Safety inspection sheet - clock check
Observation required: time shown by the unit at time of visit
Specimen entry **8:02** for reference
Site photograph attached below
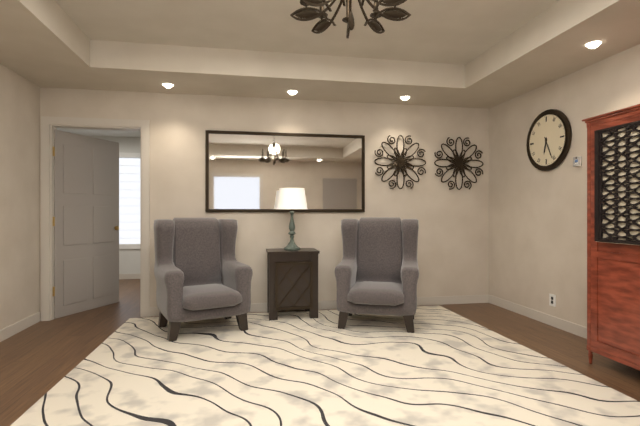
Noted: **6:26**
